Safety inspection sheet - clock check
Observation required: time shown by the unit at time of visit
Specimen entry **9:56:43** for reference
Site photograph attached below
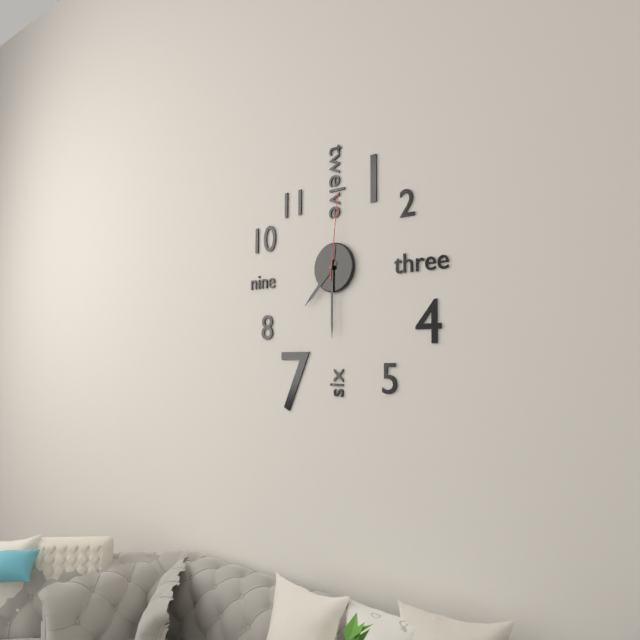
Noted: **7:30:01**
